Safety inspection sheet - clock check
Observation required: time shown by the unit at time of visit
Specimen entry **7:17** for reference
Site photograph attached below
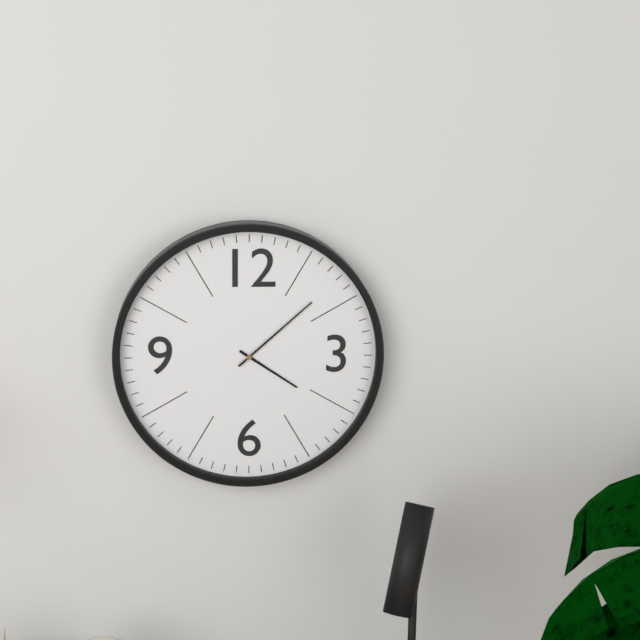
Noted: **4:08**
